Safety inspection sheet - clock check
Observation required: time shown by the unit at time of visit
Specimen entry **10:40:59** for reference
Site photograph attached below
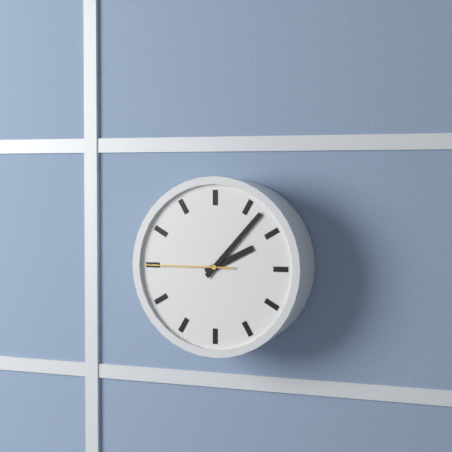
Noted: **2:07:45**
